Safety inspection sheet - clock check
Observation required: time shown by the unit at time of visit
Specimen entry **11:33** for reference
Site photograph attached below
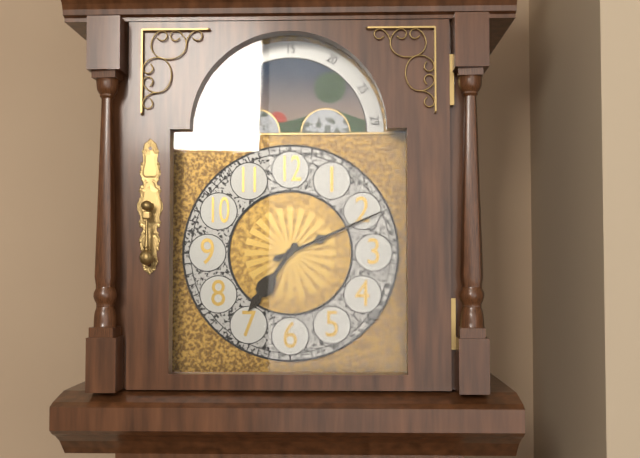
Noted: **7:11**
